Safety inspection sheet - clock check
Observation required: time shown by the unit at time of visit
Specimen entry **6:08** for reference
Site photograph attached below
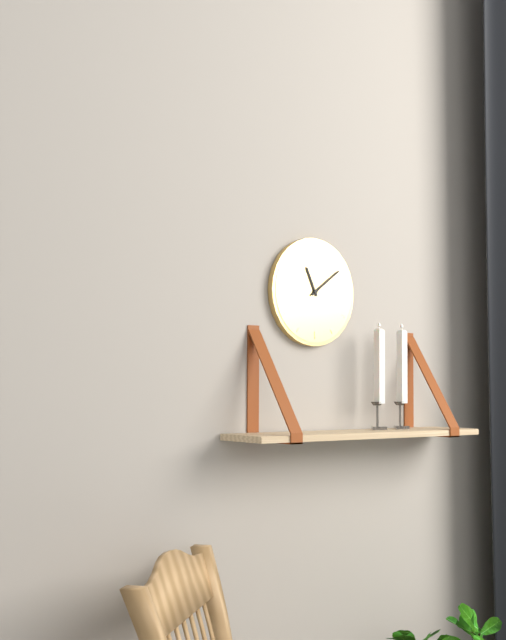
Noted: **11:09**
